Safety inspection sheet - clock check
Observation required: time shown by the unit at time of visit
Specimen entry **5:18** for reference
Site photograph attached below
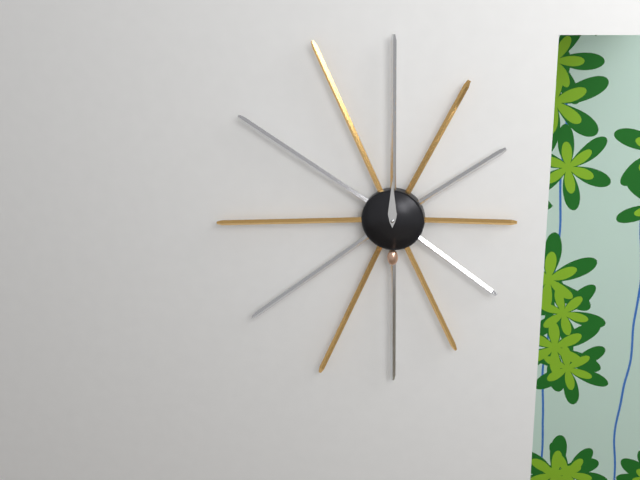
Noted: **12:00**
